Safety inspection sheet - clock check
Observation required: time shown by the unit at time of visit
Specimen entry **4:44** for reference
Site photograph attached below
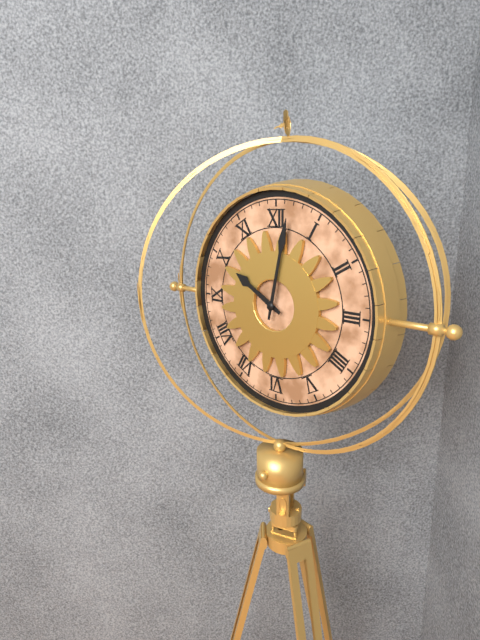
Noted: **10:02**
